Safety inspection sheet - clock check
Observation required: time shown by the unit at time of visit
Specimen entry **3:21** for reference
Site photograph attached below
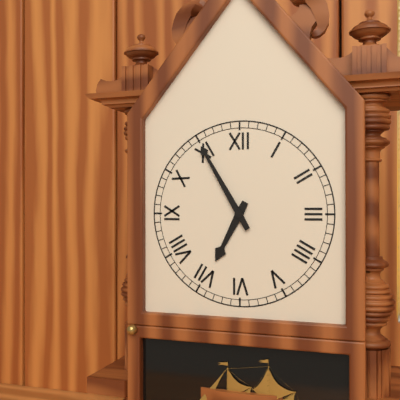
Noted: **6:55**
